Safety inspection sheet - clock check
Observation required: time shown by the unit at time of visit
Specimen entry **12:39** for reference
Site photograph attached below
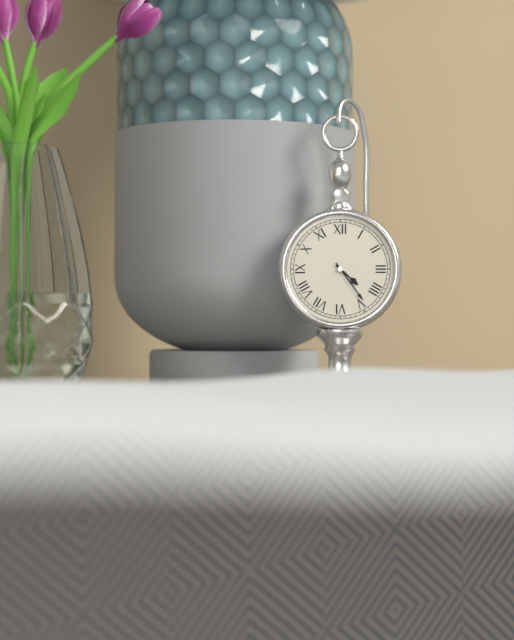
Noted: **4:24**
